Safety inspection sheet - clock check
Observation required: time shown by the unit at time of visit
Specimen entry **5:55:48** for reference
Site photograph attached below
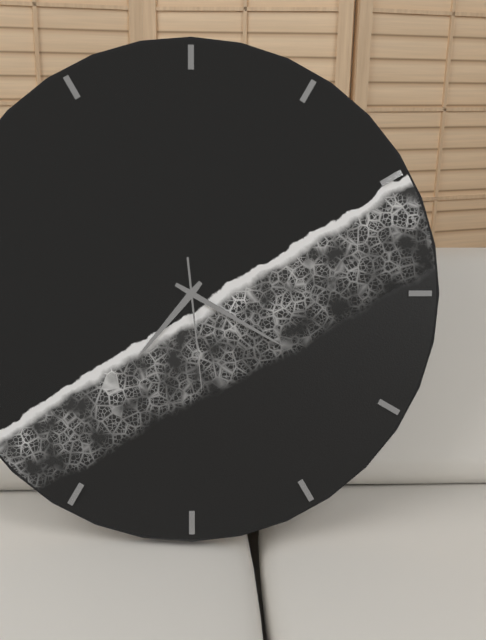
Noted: **7:20:29**
